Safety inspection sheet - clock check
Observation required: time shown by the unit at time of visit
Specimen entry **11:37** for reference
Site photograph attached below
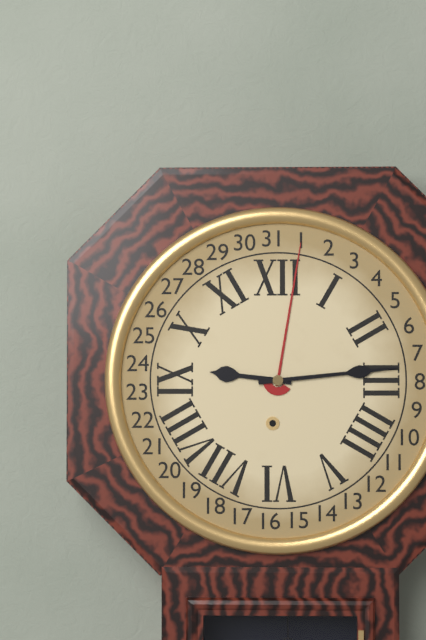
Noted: **9:14**
